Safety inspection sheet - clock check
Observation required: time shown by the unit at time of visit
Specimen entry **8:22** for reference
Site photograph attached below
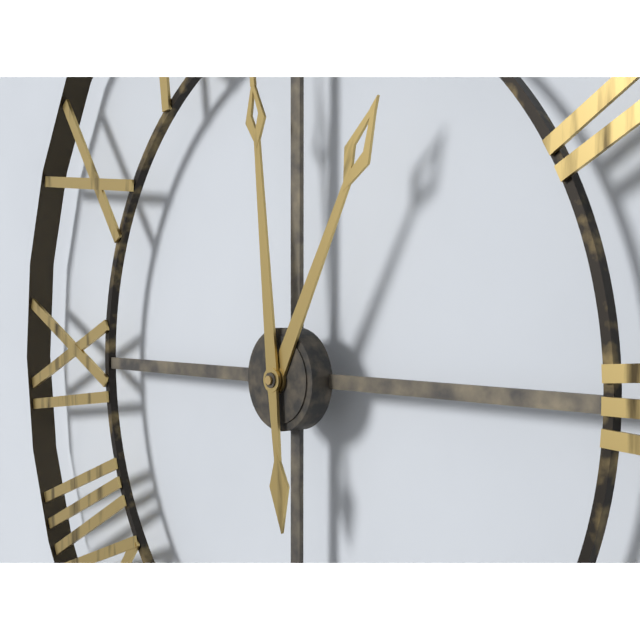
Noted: **12:59**
